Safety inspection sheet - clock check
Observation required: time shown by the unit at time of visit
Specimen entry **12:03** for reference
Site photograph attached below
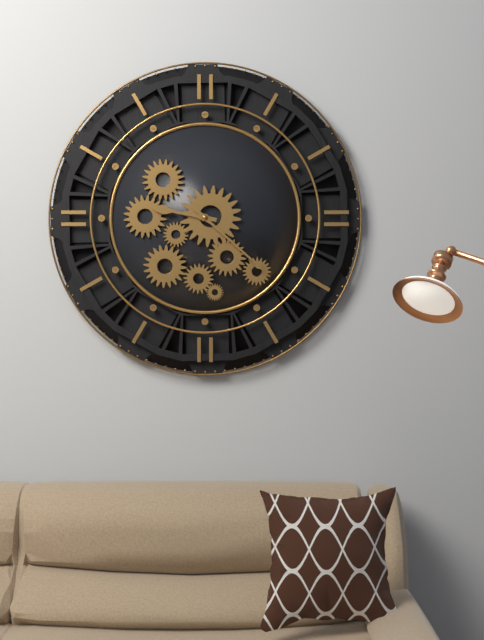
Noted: **9:22**
